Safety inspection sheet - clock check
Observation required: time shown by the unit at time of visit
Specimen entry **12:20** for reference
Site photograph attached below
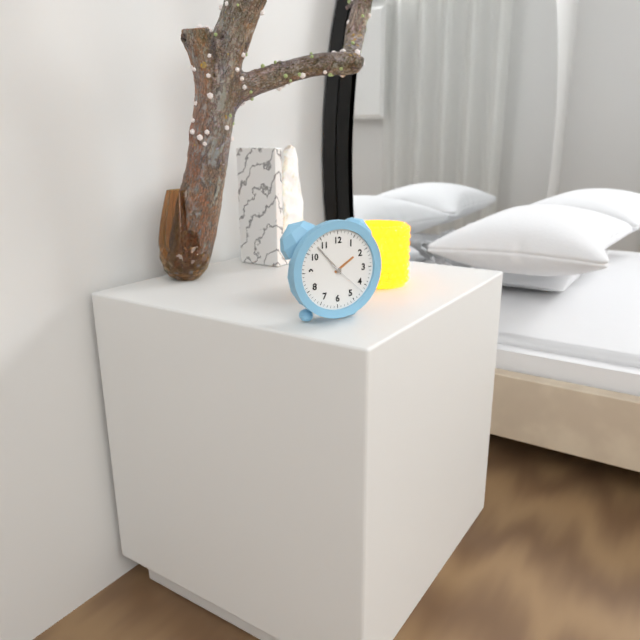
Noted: **1:53**
